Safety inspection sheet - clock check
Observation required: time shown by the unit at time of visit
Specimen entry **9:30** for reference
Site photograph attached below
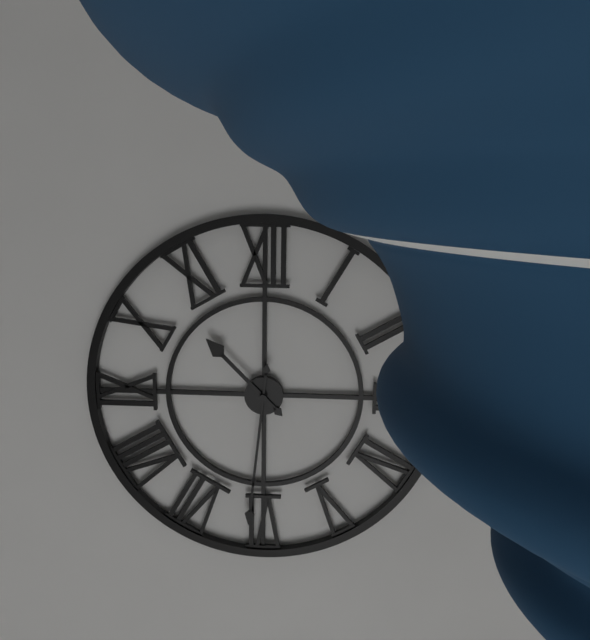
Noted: **10:31**
